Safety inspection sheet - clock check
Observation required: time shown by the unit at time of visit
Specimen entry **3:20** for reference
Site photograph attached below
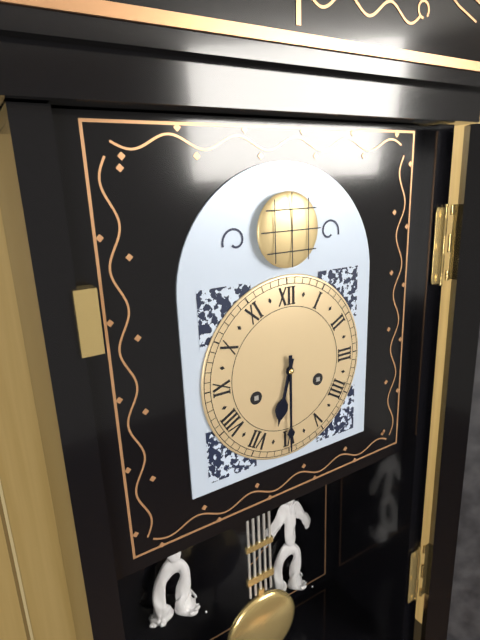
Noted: **6:30**
